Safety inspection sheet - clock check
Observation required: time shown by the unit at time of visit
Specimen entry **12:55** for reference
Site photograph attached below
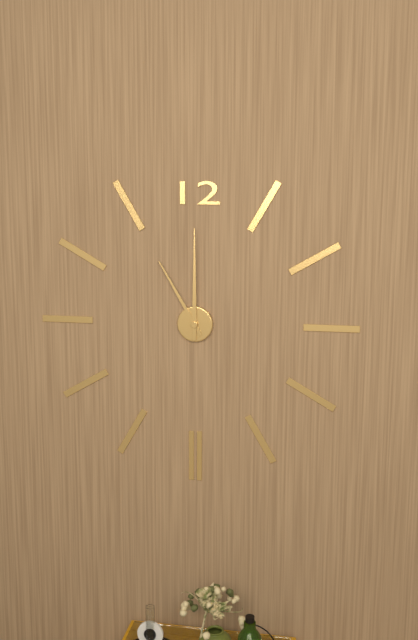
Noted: **11:00**
